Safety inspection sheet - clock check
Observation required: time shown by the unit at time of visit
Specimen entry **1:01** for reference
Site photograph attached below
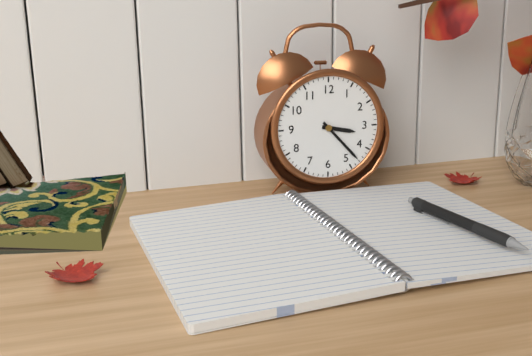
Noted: **3:23**
